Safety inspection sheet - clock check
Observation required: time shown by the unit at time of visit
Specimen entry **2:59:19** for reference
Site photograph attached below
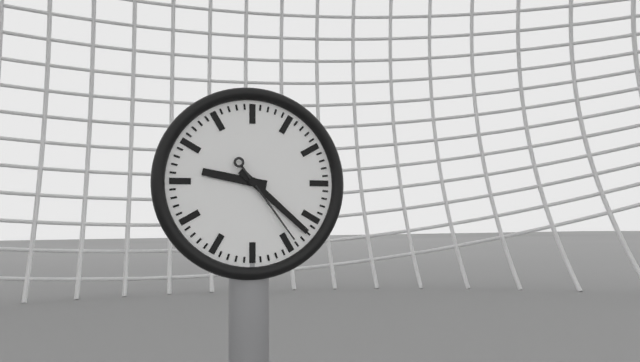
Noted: **9:22:24**
